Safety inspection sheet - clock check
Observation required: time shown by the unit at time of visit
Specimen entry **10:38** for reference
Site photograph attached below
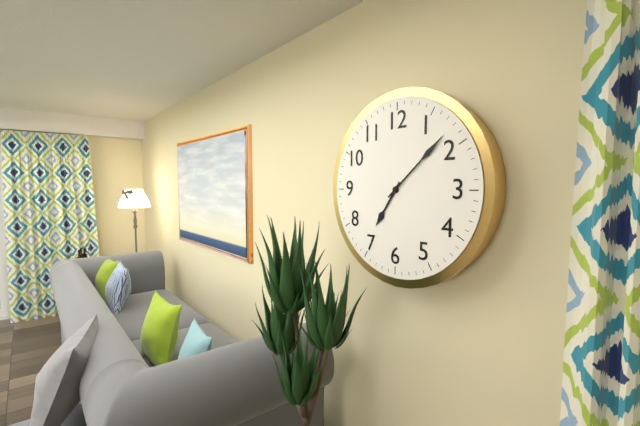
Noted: **7:08**
